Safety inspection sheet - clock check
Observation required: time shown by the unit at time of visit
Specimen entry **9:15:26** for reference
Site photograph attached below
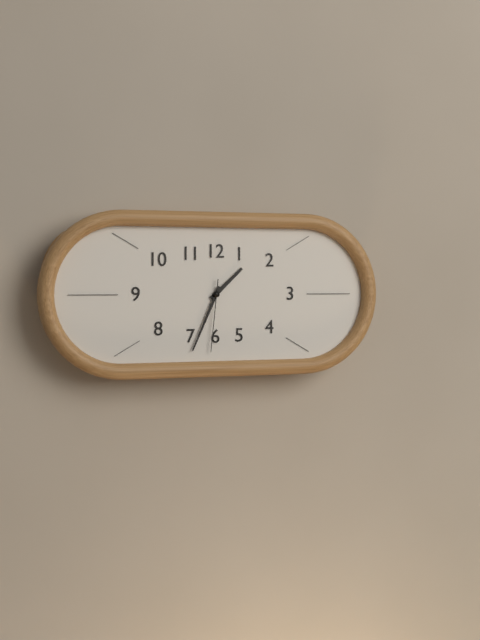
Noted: **1:34:31**
